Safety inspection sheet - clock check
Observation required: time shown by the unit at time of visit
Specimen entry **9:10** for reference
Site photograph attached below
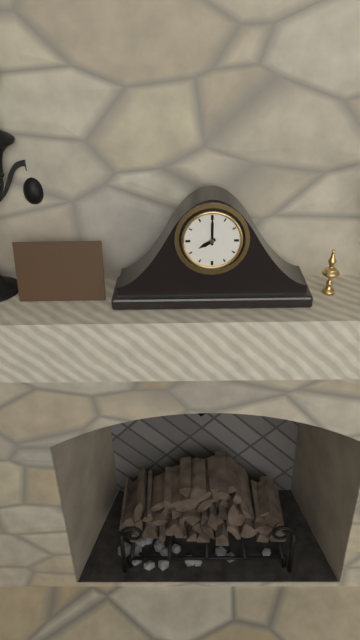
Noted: **8:00**
